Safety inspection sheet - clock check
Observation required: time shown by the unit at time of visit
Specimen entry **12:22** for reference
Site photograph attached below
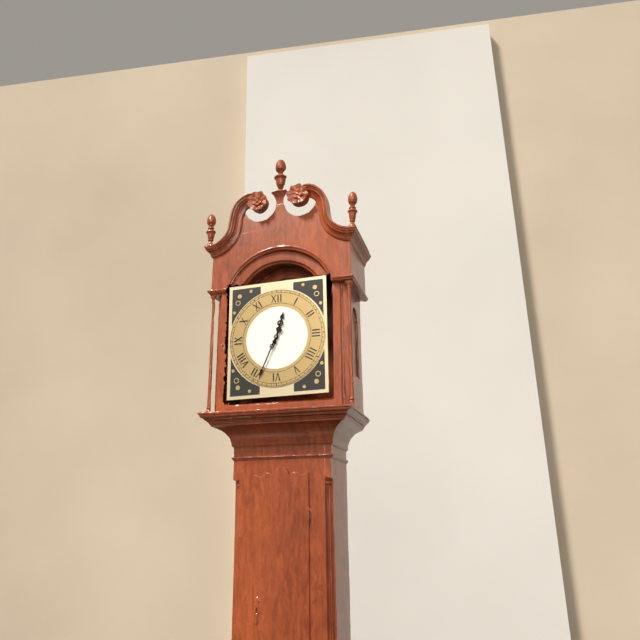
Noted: **12:34**
